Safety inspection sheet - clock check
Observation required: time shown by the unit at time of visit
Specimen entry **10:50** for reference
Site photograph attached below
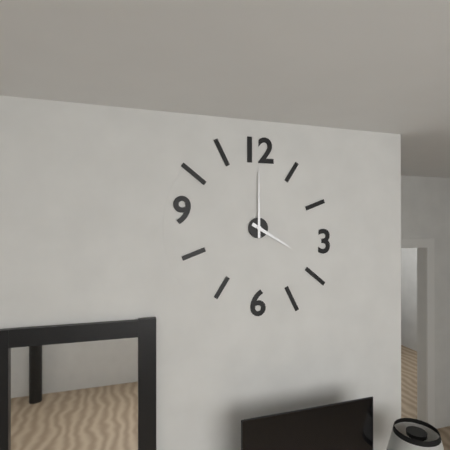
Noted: **4:00**
